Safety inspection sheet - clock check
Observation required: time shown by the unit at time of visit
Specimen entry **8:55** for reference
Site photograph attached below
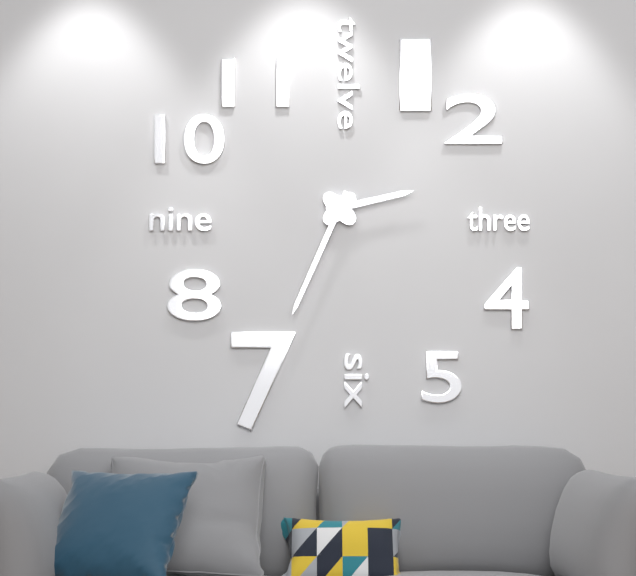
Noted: **2:34**
